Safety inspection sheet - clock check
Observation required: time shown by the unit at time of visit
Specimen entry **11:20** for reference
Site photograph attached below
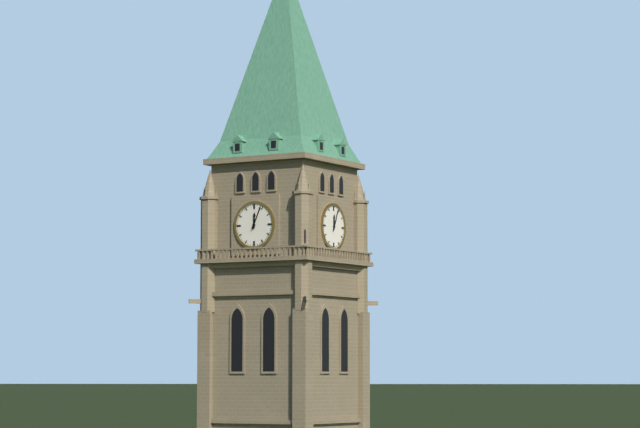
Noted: **12:04**
